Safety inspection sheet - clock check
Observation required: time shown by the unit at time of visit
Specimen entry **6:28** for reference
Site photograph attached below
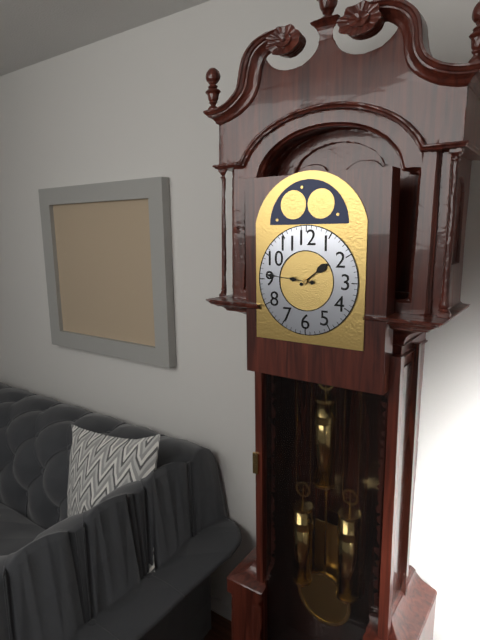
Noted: **1:46**
